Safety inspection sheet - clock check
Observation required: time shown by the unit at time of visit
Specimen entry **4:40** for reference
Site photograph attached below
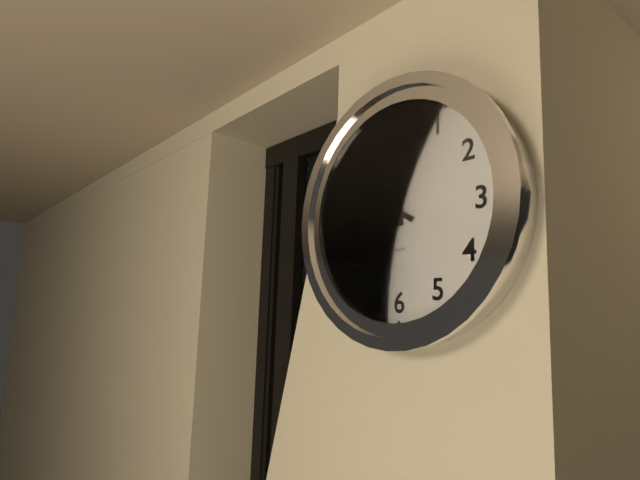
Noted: **11:50**
